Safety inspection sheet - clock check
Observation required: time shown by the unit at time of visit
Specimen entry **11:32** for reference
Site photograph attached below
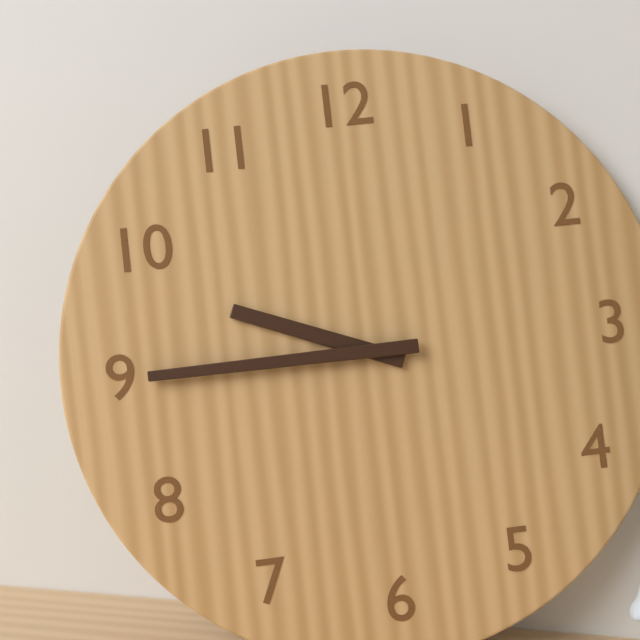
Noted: **9:45**
